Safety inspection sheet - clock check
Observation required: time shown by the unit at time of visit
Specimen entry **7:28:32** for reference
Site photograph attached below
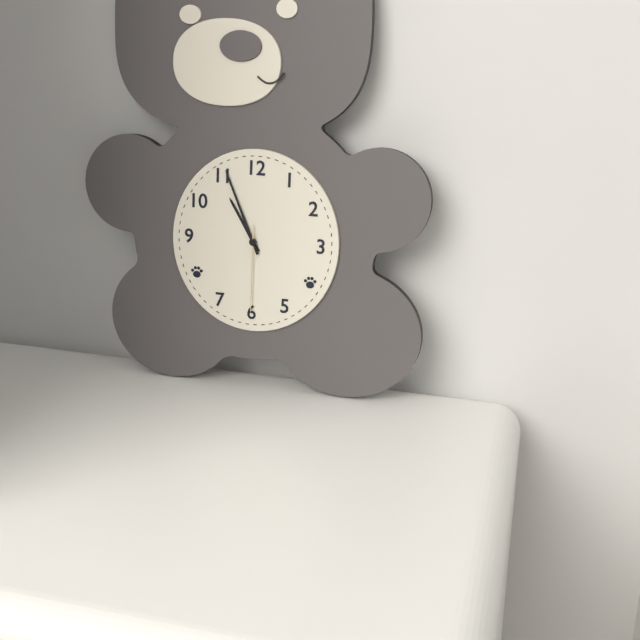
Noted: **10:56:30**
